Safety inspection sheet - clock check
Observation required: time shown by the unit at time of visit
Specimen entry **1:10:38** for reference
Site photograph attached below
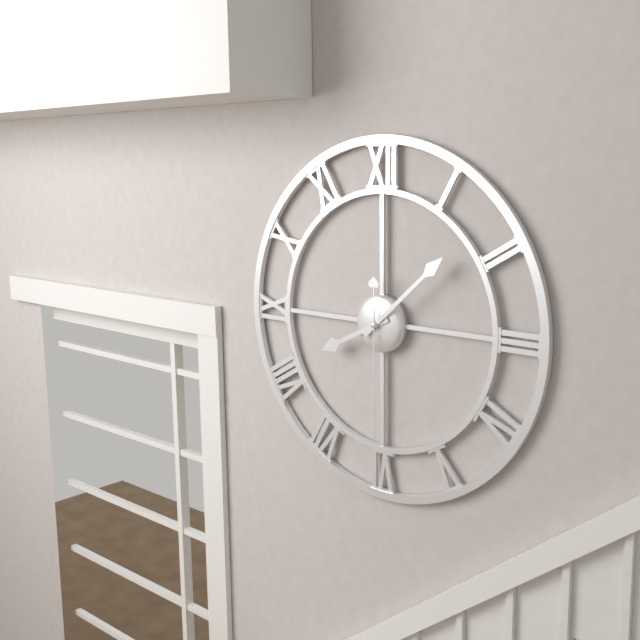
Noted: **8:08:30**
